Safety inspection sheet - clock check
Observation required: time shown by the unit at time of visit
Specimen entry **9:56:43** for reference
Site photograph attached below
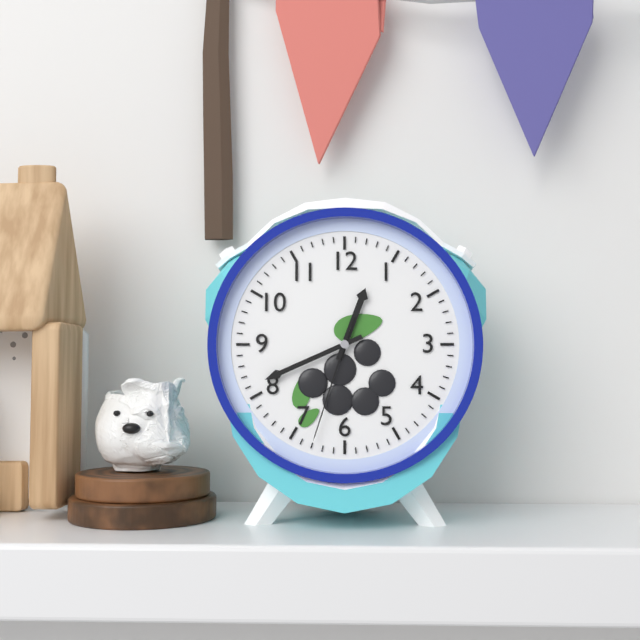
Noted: **12:41:33**
